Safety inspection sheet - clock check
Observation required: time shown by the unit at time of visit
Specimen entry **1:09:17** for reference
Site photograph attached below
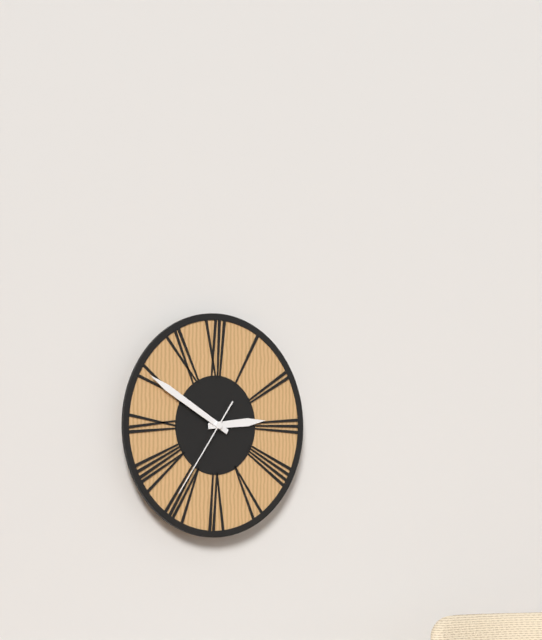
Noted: **2:50:36**
